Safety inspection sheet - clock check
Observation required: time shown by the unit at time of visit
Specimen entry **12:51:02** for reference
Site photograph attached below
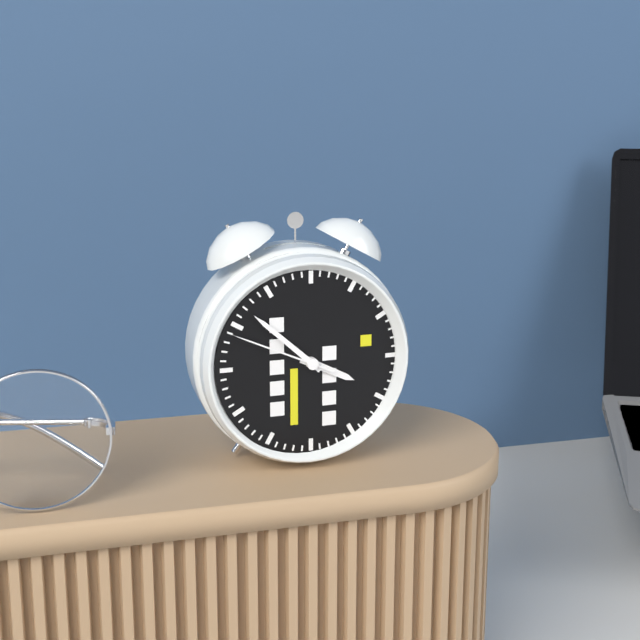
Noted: **3:52:49**
